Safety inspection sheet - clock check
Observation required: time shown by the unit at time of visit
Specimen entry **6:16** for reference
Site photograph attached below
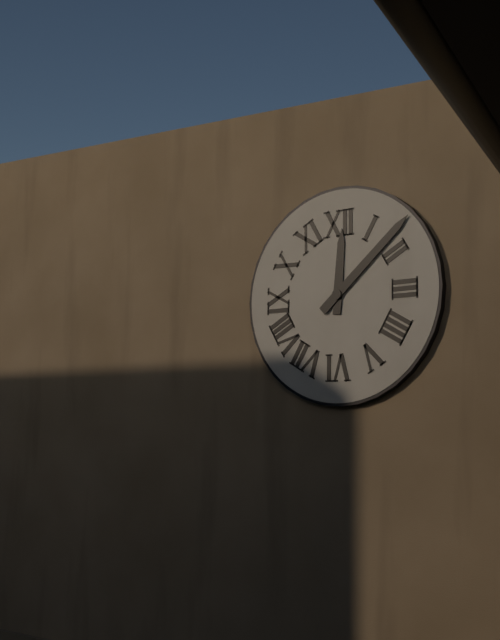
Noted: **12:08**
